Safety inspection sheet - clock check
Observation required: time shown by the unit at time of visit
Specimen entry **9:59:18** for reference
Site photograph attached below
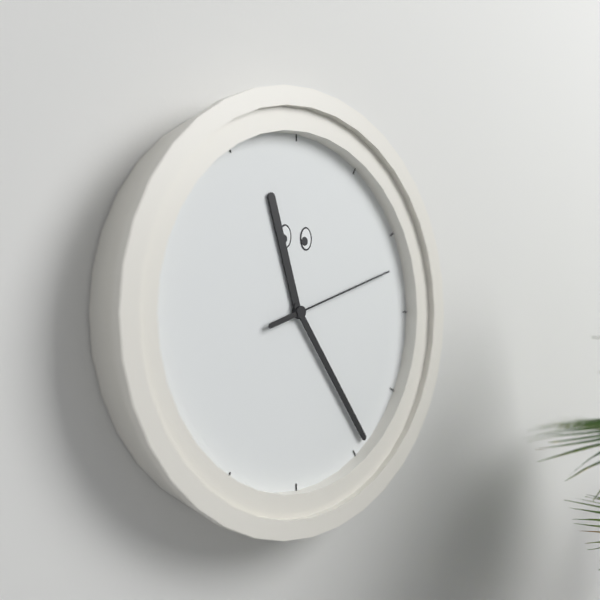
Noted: **11:24:12**
